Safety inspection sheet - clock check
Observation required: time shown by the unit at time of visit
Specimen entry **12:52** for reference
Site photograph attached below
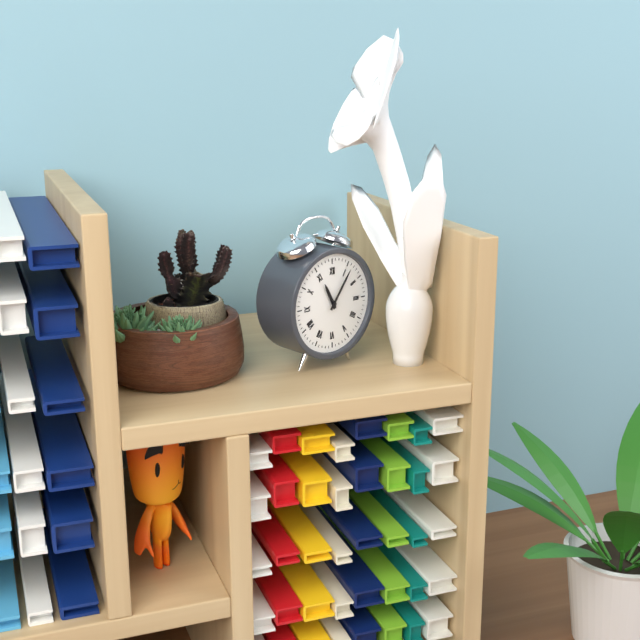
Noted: **11:06**
